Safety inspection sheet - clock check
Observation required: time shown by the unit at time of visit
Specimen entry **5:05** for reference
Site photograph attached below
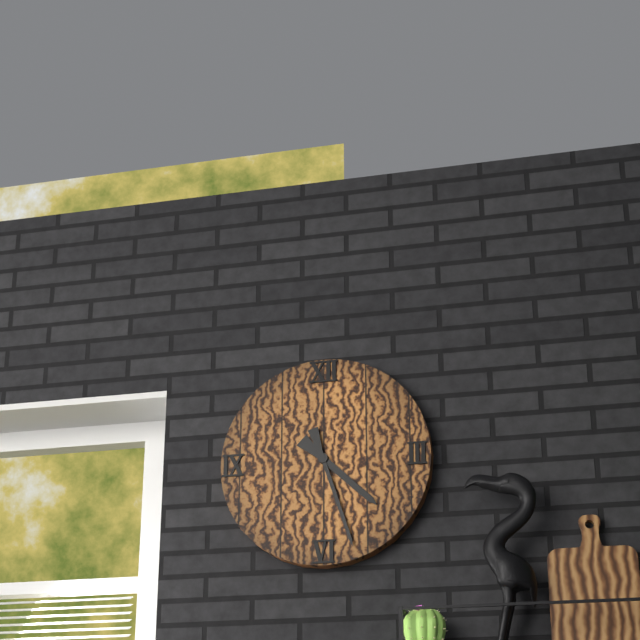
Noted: **4:27**
